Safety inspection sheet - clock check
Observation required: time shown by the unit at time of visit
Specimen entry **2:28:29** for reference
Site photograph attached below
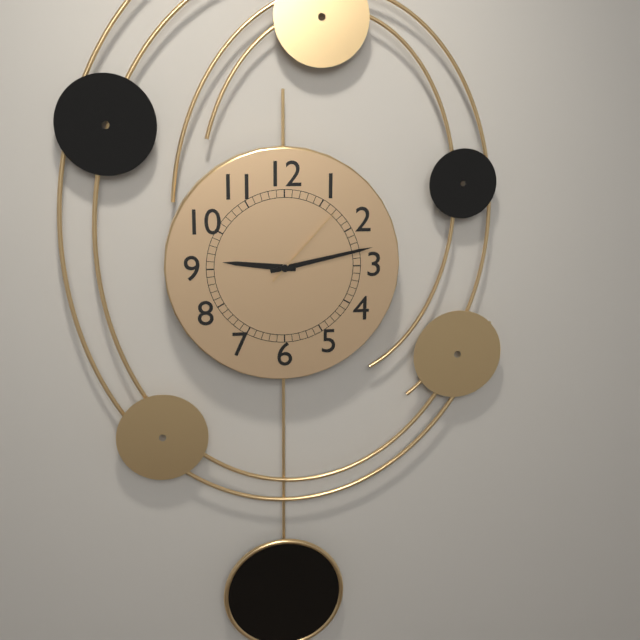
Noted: **9:13:07**
